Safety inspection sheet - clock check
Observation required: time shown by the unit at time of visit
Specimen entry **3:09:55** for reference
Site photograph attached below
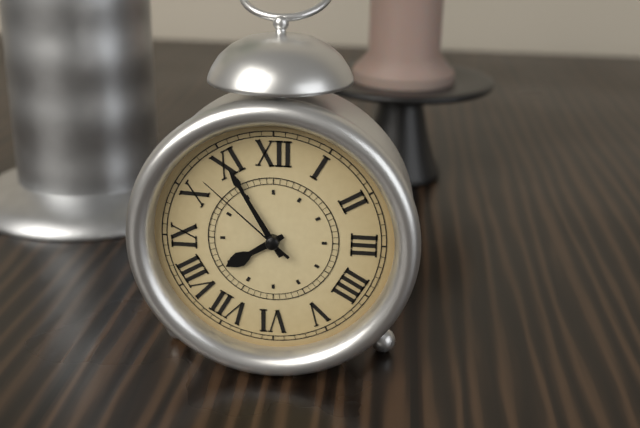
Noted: **7:55:52**
